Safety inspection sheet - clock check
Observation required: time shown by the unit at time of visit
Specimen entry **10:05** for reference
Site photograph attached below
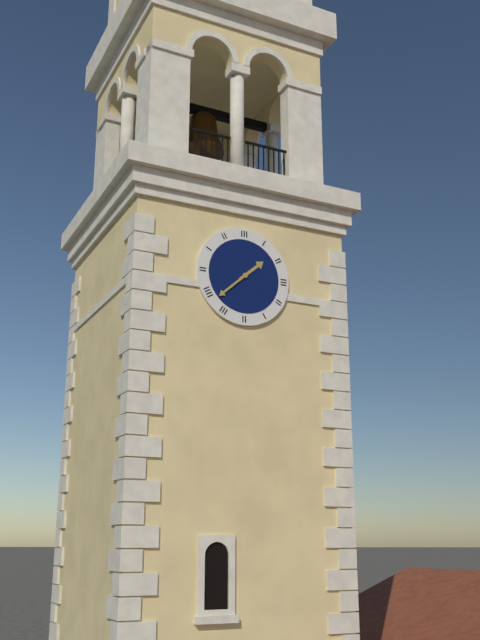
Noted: **1:38**
